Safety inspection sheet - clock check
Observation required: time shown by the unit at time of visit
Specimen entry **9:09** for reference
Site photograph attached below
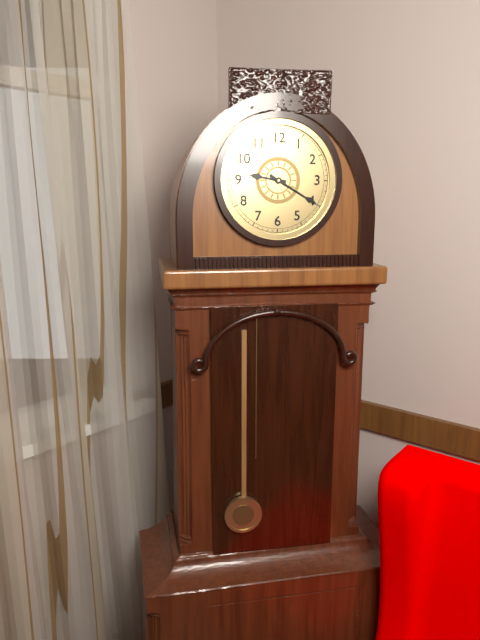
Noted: **9:20**
